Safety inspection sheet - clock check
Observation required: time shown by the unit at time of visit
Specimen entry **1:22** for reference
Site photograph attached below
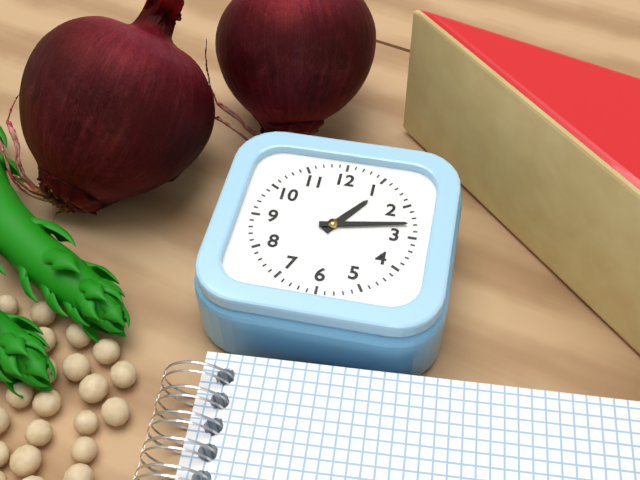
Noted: **1:13**
